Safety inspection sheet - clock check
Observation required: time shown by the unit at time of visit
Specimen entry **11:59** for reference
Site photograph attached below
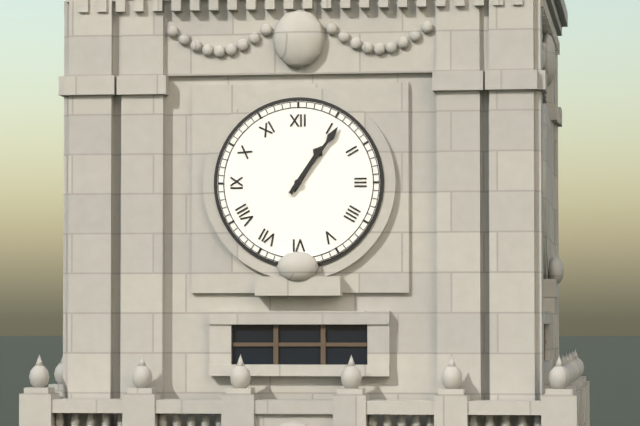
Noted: **1:06**
